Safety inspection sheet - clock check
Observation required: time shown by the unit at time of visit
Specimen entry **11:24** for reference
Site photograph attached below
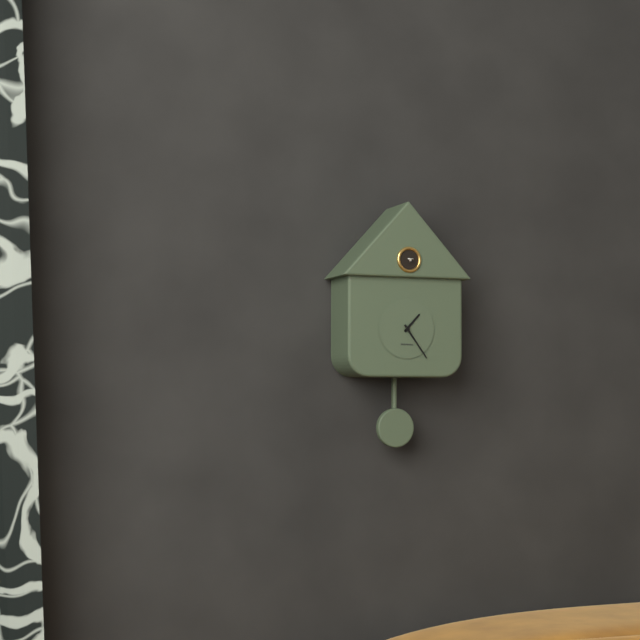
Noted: **1:24**
